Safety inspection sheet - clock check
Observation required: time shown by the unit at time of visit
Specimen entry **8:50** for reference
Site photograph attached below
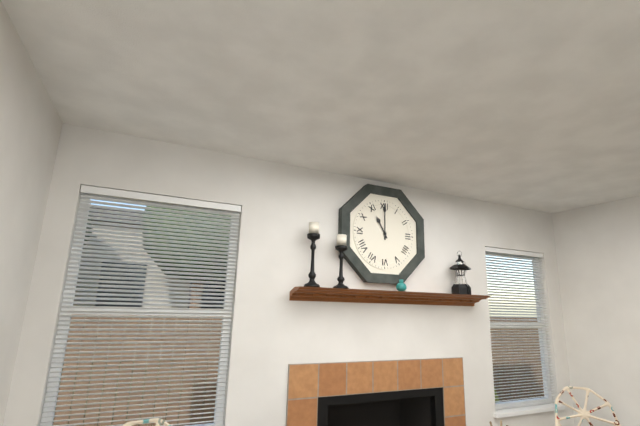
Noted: **11:00**
